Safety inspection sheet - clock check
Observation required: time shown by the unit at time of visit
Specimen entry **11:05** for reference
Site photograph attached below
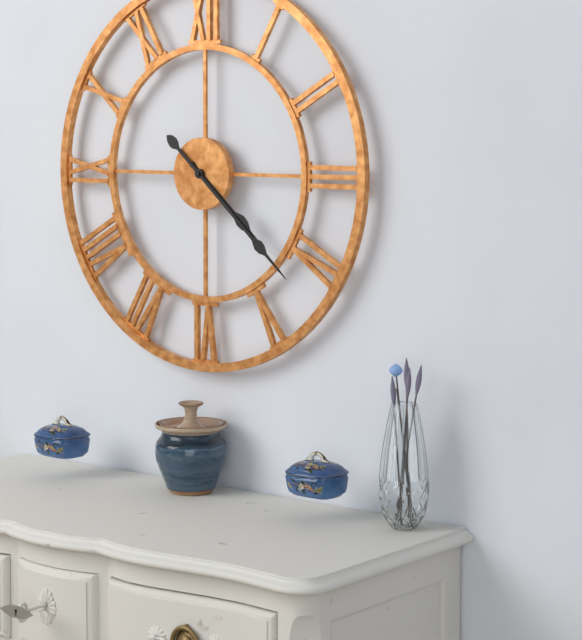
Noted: **4:22**
